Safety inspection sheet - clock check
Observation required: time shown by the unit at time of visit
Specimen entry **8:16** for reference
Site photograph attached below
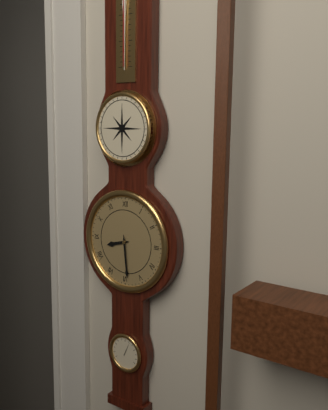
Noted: **8:29**
